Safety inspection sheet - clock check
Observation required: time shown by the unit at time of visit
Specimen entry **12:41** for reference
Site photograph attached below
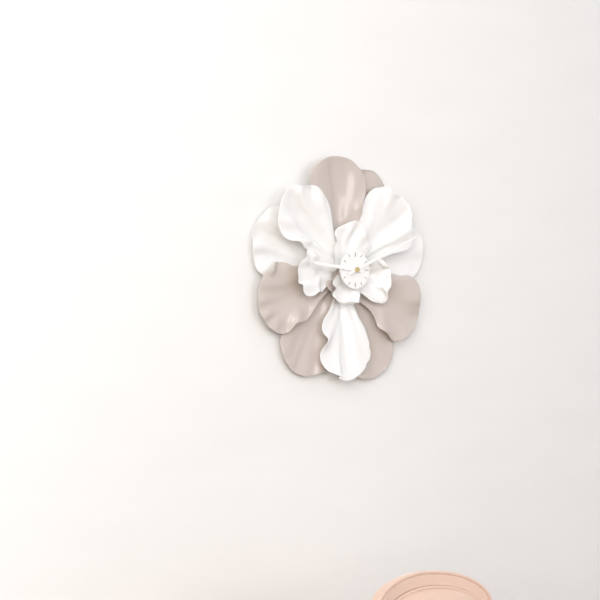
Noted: **9:11**
